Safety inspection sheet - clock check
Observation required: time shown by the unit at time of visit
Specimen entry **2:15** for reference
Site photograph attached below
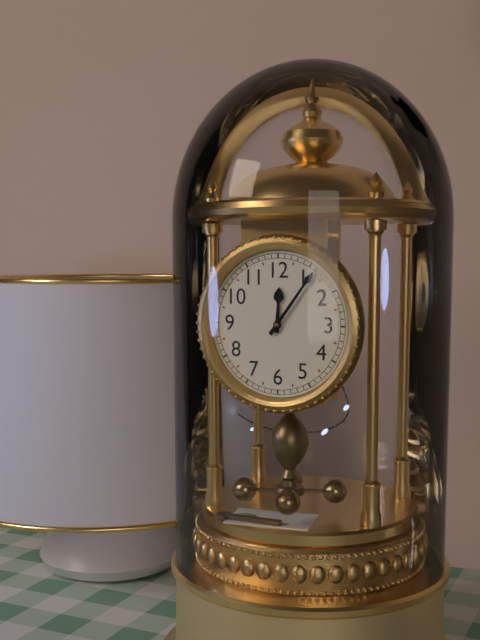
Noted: **12:06**
